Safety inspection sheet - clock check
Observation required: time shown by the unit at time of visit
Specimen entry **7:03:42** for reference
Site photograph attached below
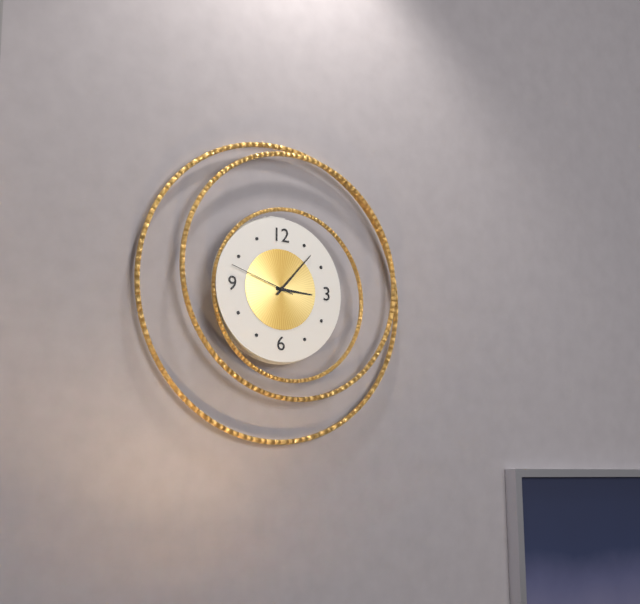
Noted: **3:07:48**
